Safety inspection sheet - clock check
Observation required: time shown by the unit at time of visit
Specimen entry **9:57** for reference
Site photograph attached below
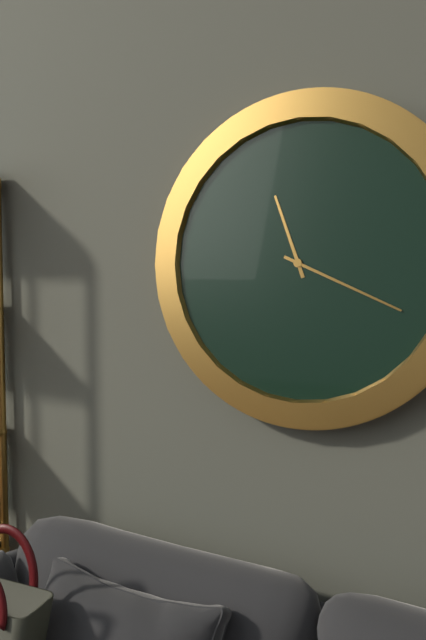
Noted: **11:19**
